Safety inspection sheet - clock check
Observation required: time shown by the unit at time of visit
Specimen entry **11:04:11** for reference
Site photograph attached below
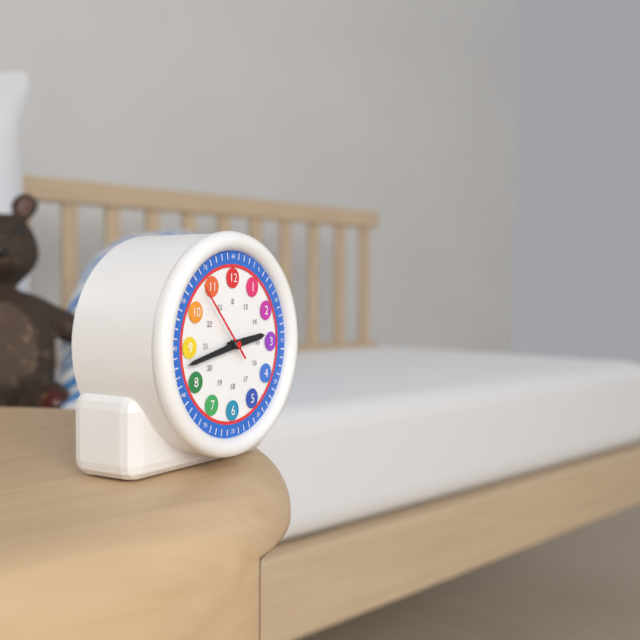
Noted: **2:43:53**
